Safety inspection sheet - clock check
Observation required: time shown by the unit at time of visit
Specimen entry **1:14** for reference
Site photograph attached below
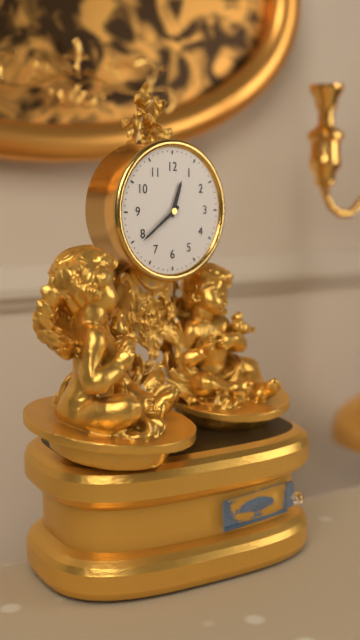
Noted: **12:39**
